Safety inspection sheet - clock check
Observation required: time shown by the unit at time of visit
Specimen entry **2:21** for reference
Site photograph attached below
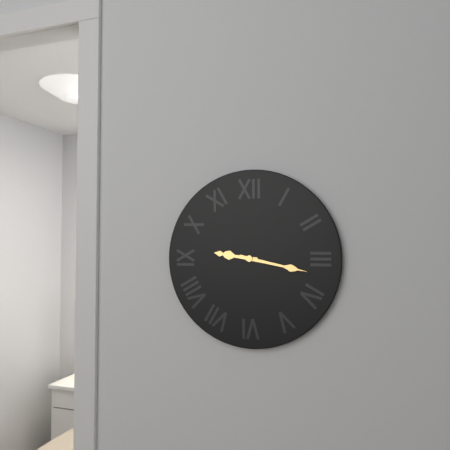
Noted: **9:17**
